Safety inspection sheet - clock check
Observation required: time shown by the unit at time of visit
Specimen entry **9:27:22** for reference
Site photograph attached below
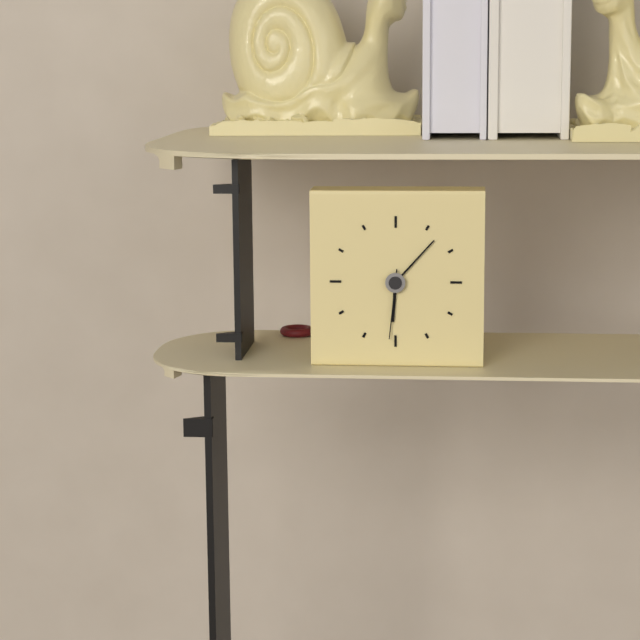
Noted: **6:07:31**
